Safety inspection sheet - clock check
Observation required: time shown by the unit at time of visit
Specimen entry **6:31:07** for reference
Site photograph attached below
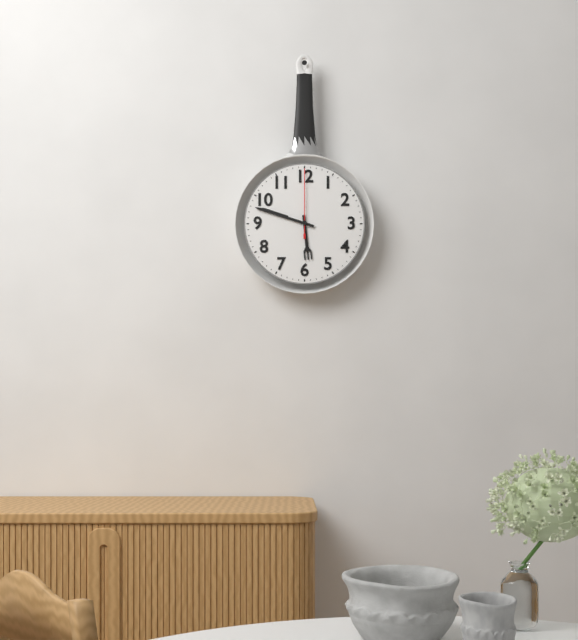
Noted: **5:48:00**
